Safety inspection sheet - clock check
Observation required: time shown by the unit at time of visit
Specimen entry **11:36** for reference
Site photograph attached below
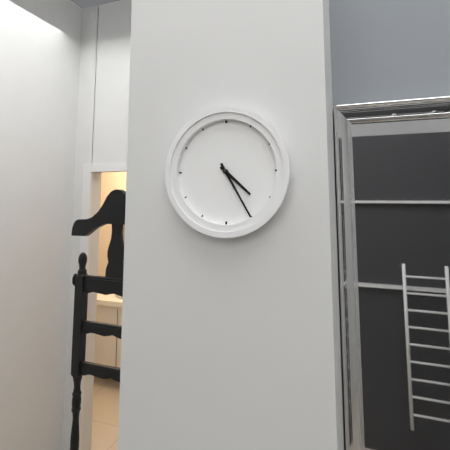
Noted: **4:25**
